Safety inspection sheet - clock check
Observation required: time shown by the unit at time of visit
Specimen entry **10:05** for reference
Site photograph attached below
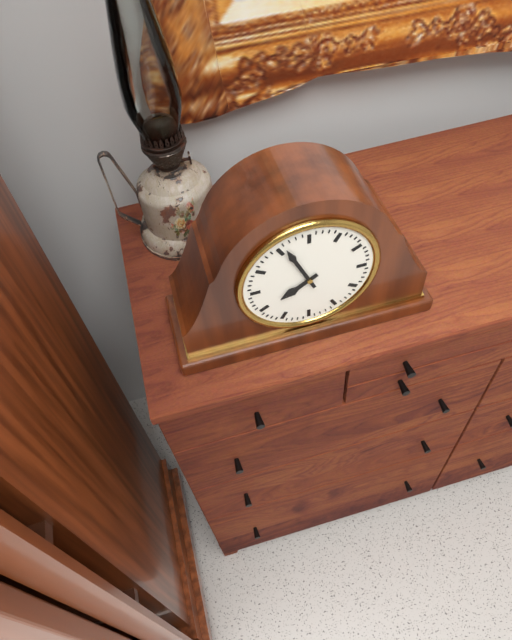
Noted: **7:56**
